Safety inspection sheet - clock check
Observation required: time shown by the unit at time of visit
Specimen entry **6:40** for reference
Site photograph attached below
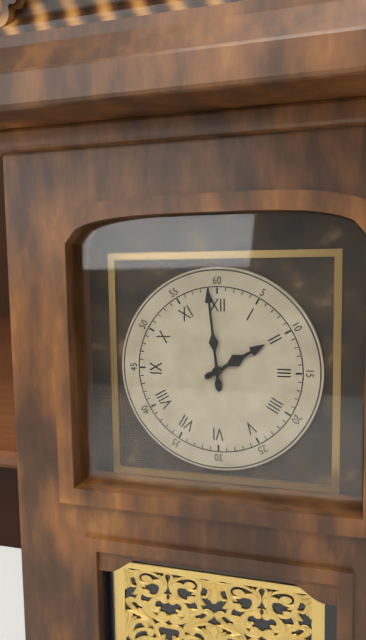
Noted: **1:59**
